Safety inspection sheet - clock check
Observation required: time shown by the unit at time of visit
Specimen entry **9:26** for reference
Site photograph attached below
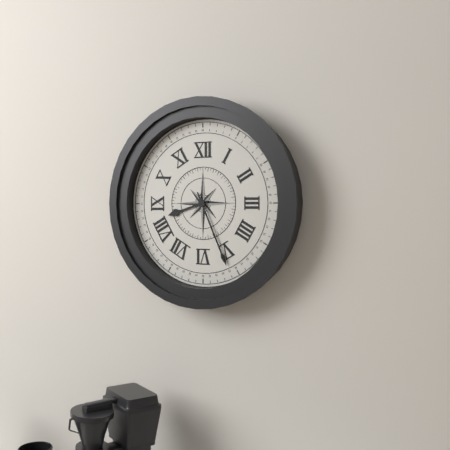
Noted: **8:26**
